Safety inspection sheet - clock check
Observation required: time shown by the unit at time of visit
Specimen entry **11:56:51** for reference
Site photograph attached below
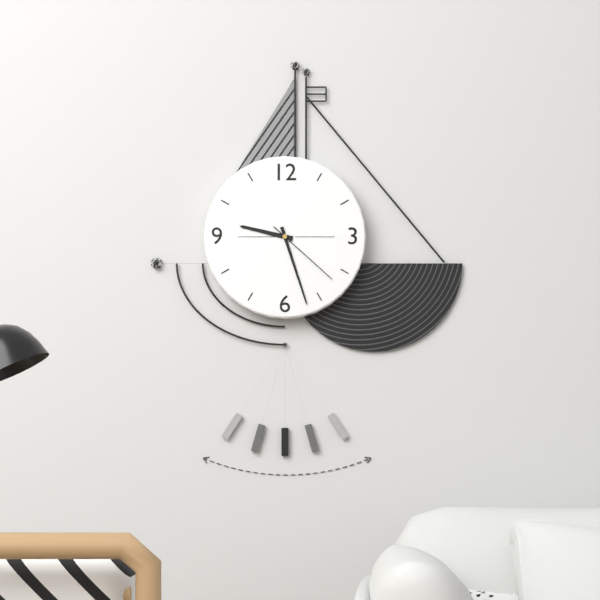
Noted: **9:27:22**
